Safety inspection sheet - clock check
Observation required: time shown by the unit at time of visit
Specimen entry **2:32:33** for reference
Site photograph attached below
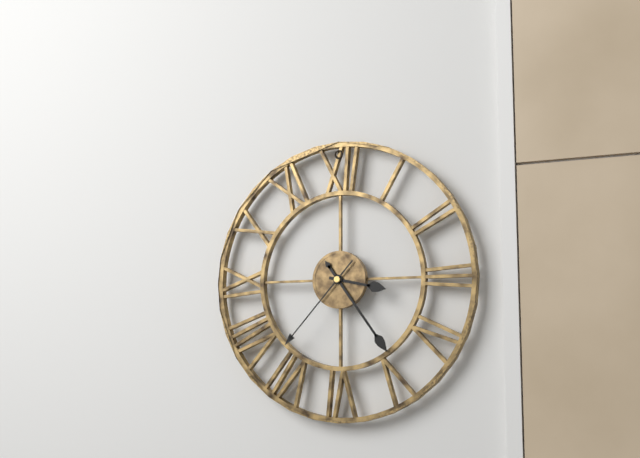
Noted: **3:24:37**
